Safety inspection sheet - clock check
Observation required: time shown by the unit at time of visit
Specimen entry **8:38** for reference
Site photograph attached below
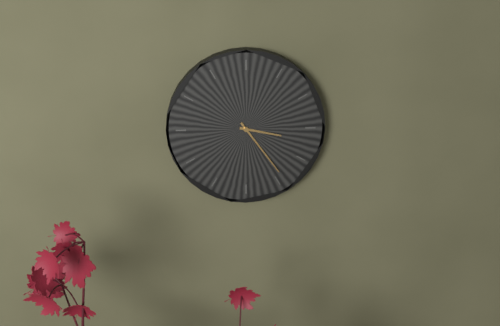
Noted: **3:24**
